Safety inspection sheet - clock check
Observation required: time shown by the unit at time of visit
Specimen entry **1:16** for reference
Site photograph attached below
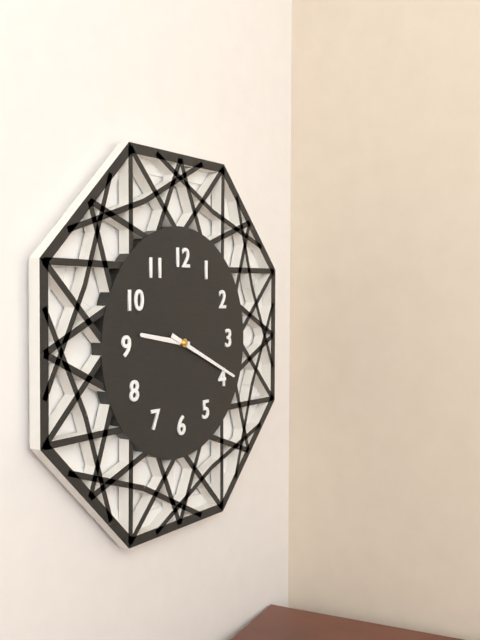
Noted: **9:19**
